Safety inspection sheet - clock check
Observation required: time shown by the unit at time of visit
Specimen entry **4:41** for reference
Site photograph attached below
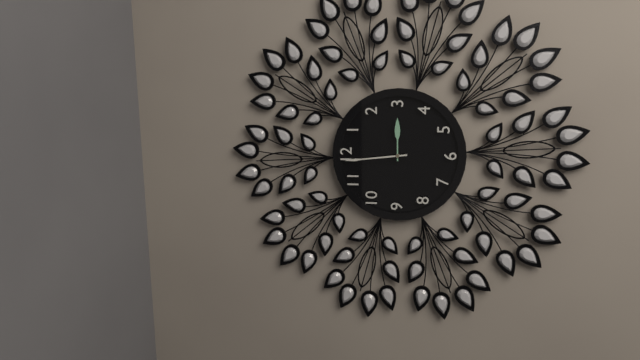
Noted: **2:59**
